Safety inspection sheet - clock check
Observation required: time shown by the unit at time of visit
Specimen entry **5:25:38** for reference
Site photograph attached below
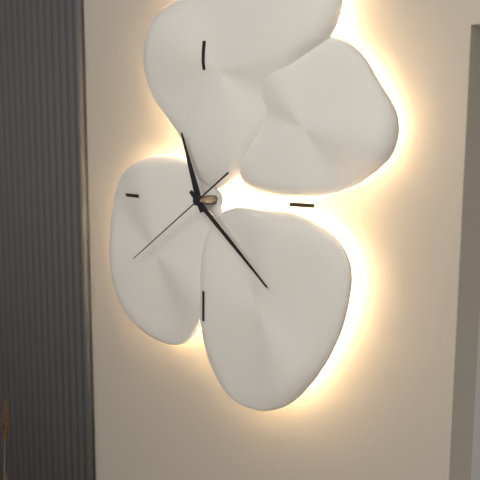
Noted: **11:22:39**
